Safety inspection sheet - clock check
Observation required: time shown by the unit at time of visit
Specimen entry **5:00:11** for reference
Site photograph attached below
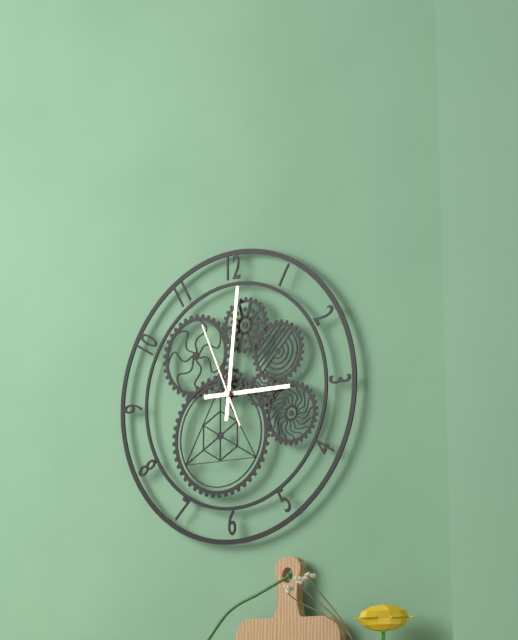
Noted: **3:01:56**
